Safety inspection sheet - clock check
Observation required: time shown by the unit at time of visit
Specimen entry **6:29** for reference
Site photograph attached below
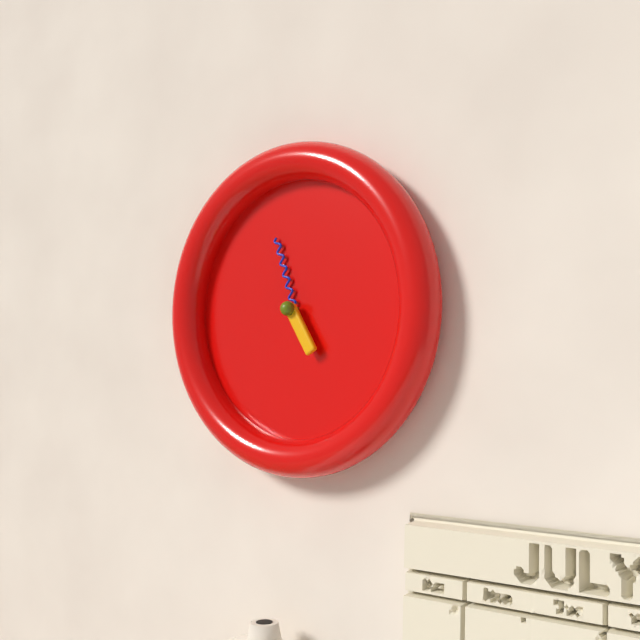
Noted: **4:57**
